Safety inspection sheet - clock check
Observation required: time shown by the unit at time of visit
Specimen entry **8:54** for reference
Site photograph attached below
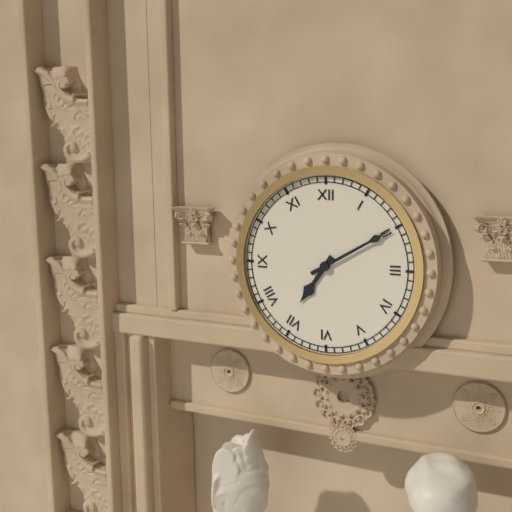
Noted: **7:10**
